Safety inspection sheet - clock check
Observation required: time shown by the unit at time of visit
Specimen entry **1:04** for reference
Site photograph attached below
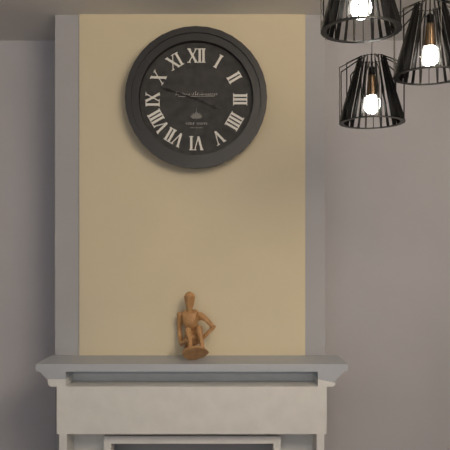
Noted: **3:48**
